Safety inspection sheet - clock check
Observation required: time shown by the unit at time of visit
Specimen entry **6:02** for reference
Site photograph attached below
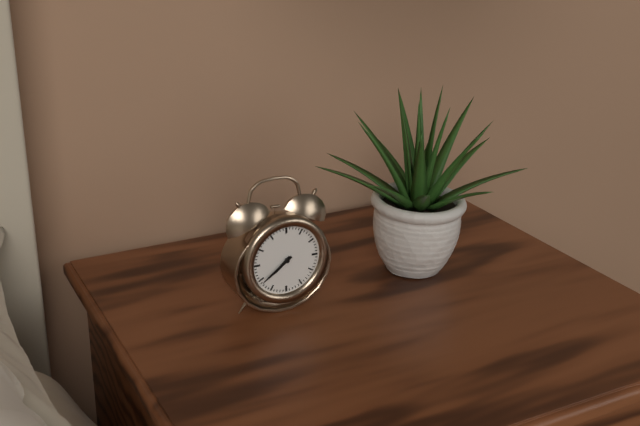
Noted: **7:39**
